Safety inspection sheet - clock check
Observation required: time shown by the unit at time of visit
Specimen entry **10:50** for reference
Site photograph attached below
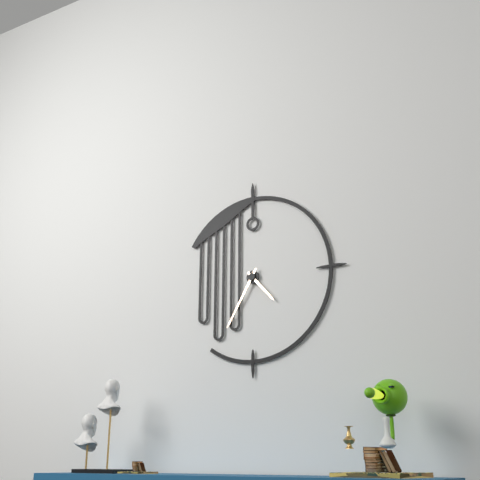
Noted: **4:35**
